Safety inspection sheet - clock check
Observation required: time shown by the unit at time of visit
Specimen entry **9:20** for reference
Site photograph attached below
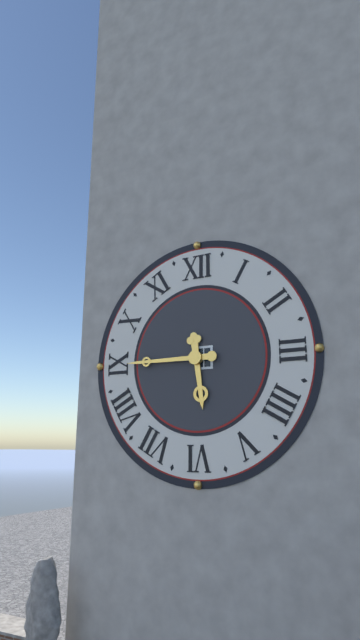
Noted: **5:45**
